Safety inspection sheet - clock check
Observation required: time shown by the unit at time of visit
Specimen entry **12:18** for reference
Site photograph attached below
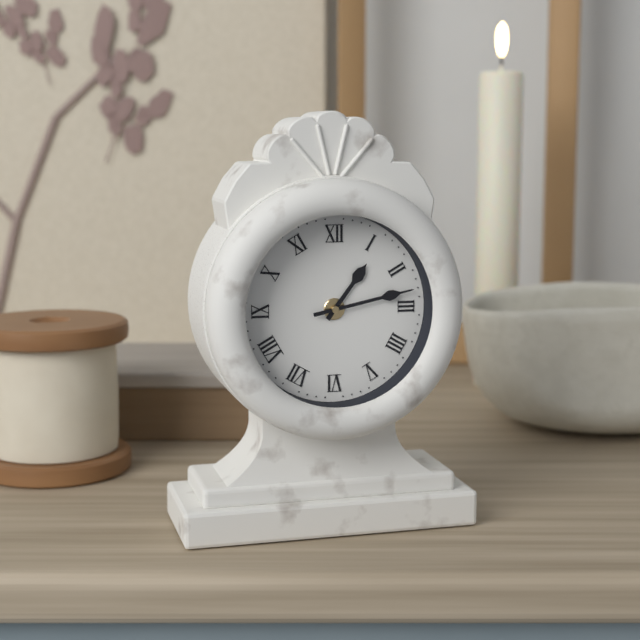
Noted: **1:13**
